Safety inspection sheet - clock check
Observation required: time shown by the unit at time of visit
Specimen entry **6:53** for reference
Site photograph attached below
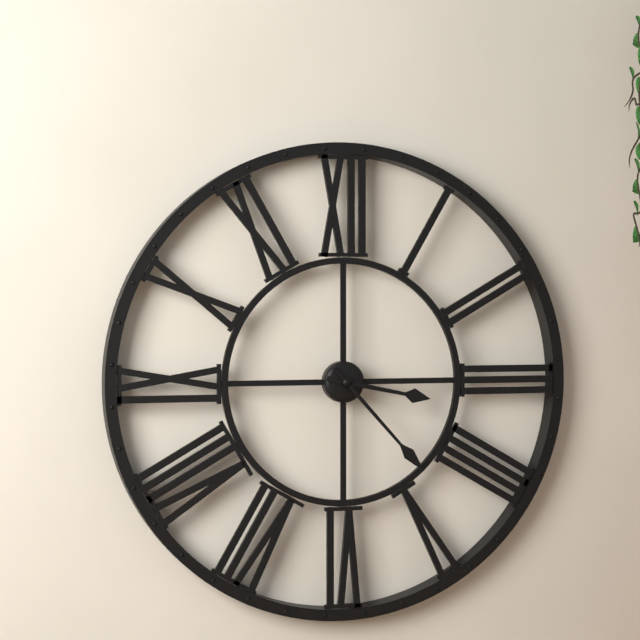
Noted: **3:23**
